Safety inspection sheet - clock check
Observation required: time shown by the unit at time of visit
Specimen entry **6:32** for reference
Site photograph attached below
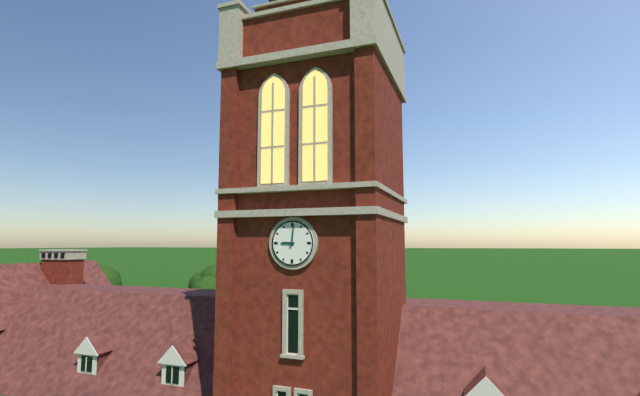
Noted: **9:01**
